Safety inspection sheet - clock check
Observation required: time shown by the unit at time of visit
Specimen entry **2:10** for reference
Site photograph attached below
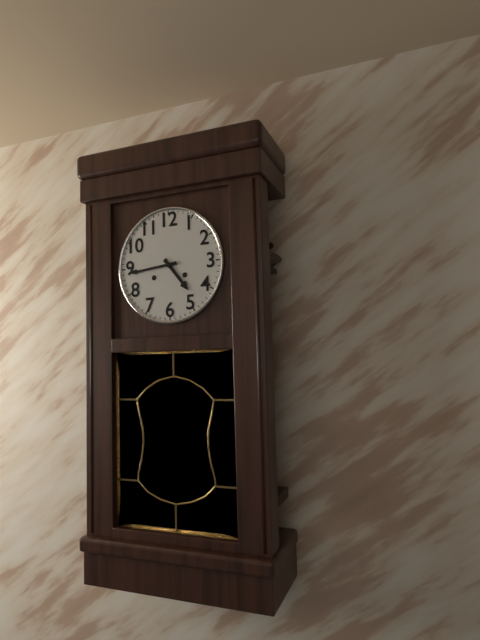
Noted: **4:44**
